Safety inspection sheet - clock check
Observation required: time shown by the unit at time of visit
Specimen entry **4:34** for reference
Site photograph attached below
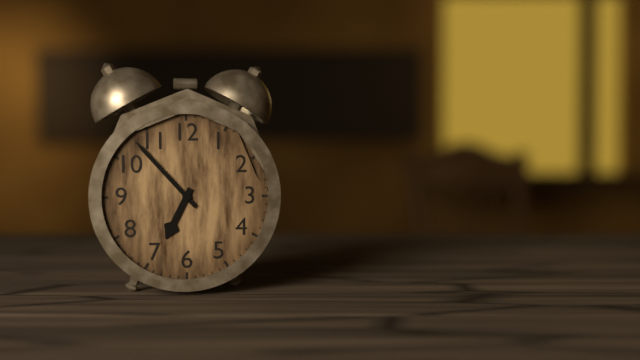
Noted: **6:53**
